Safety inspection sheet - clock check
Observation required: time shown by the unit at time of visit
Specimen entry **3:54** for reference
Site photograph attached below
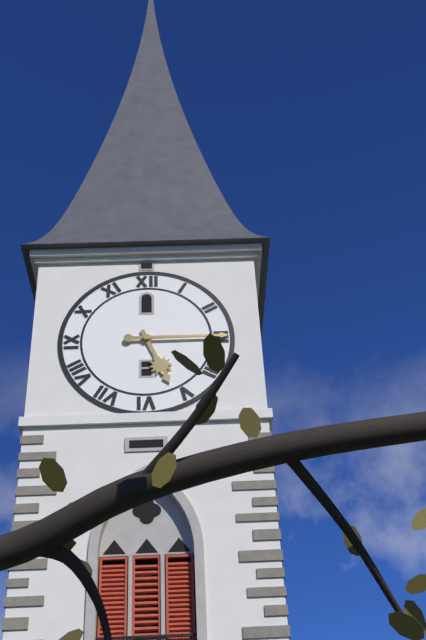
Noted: **5:15**
